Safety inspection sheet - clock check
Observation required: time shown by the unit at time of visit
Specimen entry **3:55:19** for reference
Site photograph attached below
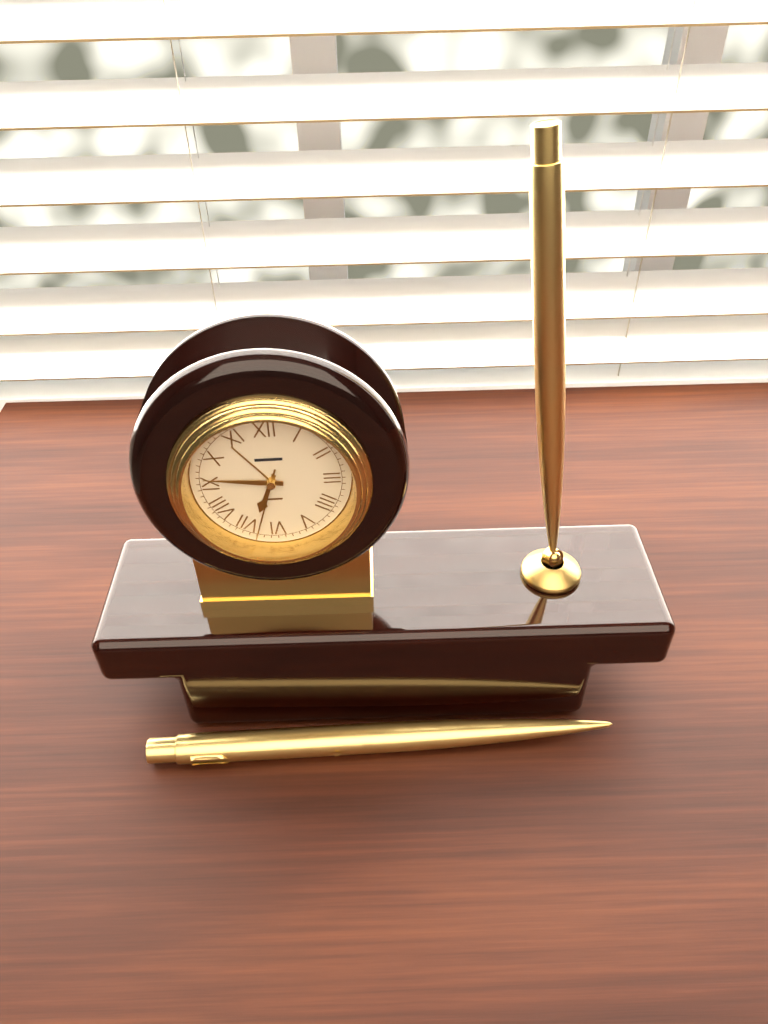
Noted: **6:46:33**
